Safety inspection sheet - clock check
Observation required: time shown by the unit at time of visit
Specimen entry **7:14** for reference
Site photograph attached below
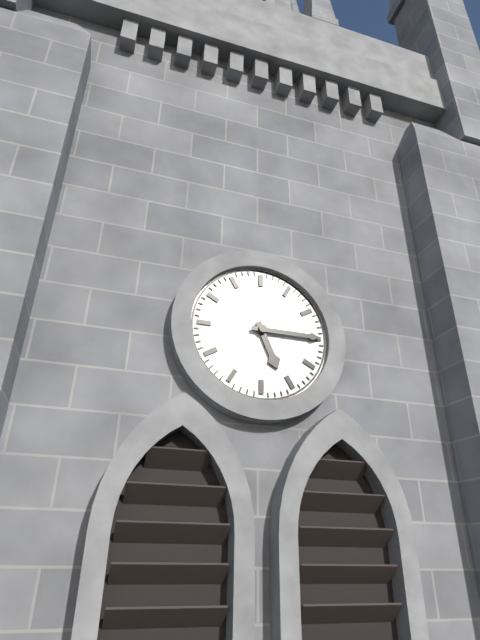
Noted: **5:15**
